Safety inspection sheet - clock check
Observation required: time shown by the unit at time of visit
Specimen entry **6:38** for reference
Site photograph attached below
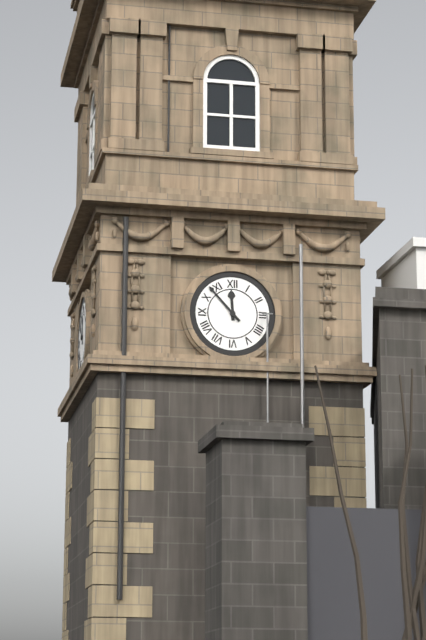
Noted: **11:53**
